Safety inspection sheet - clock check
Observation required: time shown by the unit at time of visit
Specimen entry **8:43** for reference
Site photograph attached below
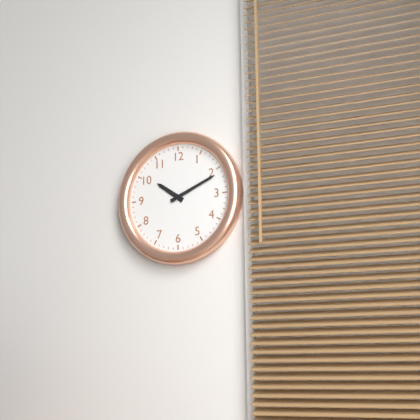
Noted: **10:11**
